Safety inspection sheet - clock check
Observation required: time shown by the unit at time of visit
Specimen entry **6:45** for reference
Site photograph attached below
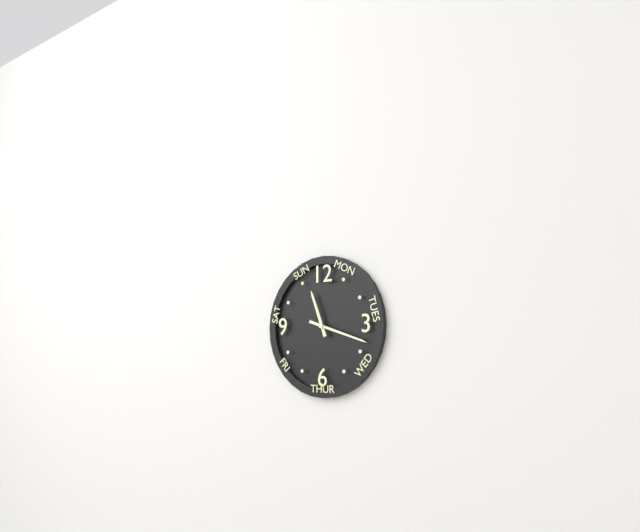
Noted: **11:18**
